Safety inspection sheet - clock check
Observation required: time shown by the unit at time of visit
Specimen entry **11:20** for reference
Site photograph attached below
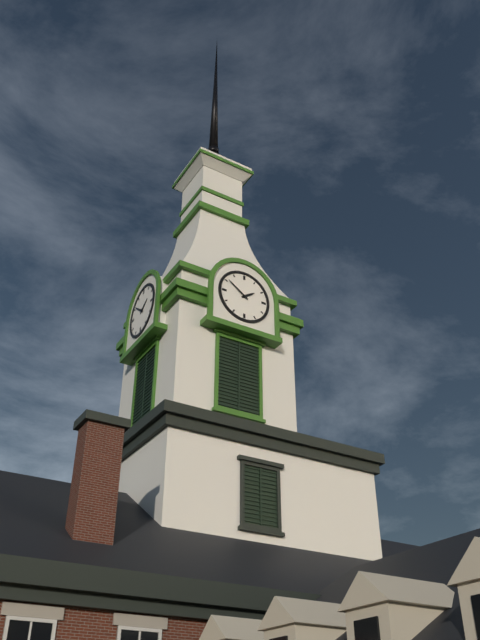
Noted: **1:51**
